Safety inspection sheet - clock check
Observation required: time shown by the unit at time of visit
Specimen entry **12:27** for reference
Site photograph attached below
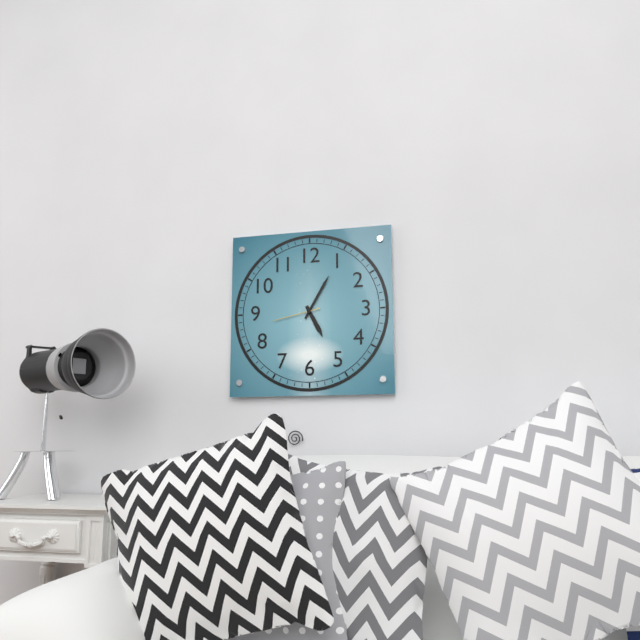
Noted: **5:05**
